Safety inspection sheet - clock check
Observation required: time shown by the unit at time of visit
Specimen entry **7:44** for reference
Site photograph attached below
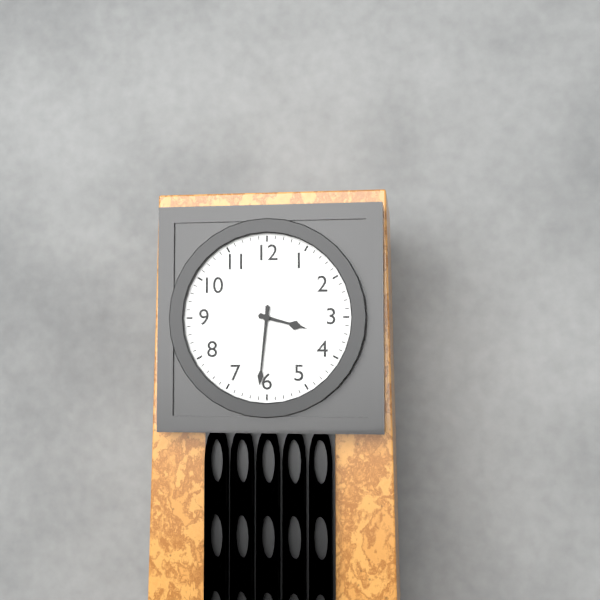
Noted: **3:31**
